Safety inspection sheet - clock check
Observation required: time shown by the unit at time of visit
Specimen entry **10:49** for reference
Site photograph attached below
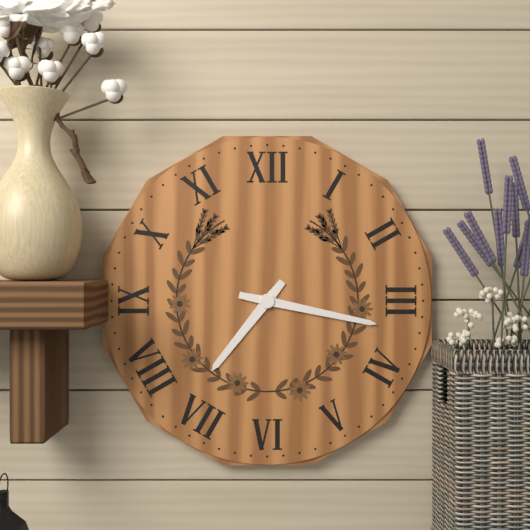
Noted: **7:17**
